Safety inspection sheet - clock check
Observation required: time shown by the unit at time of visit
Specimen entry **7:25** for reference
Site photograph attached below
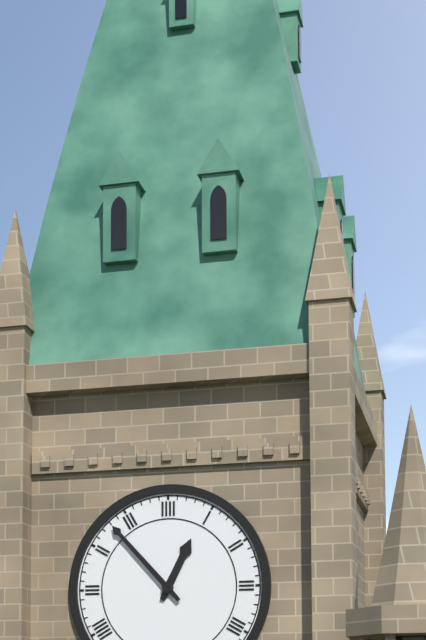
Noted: **12:53**
